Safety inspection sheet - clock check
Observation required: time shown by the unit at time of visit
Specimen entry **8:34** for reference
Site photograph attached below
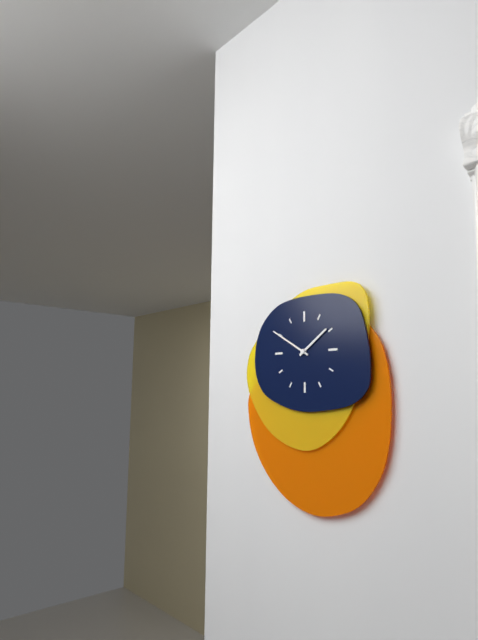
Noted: **1:50**
